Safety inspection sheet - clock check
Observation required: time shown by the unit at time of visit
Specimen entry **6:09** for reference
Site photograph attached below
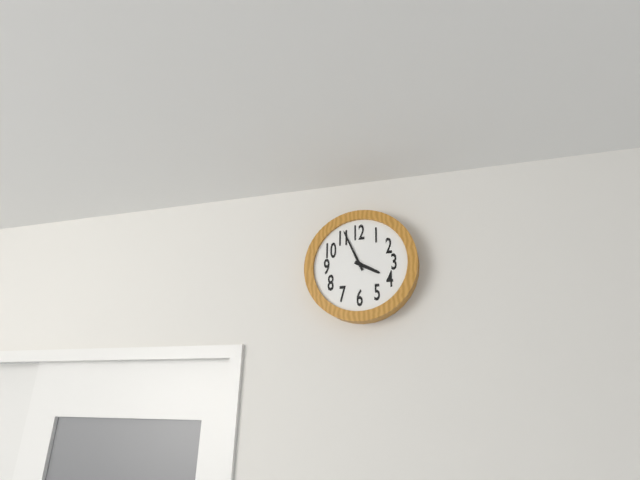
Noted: **3:56**
